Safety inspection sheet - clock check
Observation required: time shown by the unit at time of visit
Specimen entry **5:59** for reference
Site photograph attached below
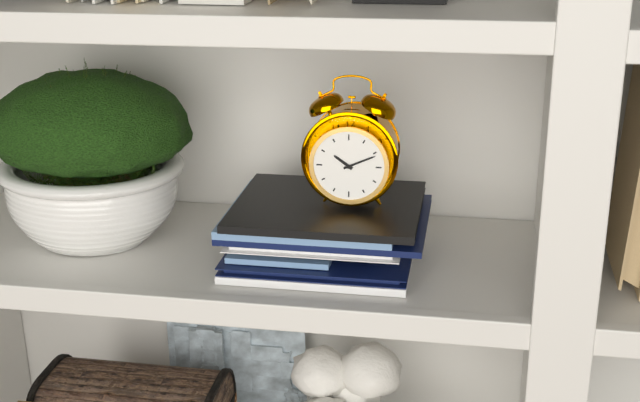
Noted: **10:11**
